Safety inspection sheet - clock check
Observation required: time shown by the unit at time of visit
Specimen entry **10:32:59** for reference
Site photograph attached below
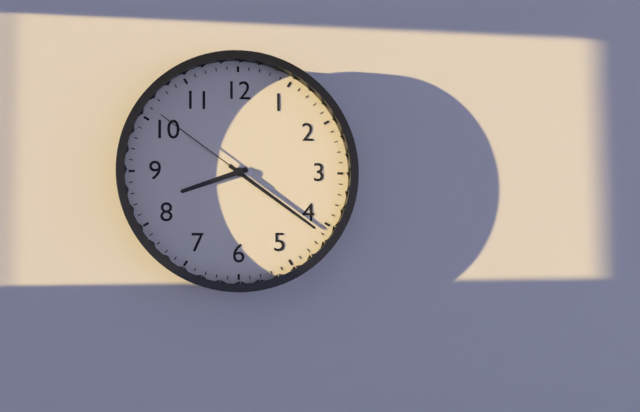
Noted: **8:21:51**
